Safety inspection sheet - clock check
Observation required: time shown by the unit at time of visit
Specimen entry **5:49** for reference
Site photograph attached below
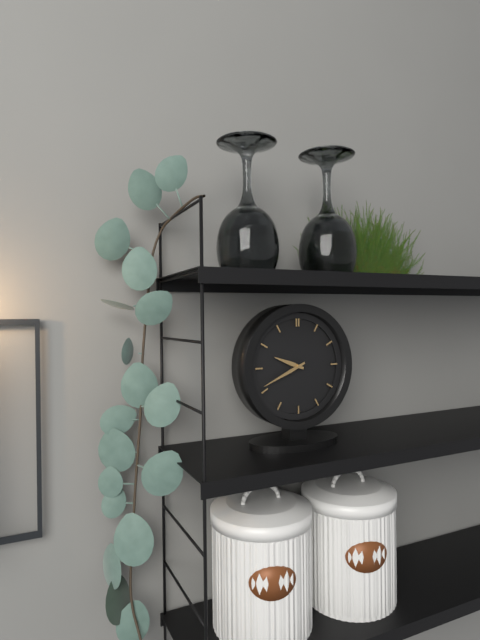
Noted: **9:41**
